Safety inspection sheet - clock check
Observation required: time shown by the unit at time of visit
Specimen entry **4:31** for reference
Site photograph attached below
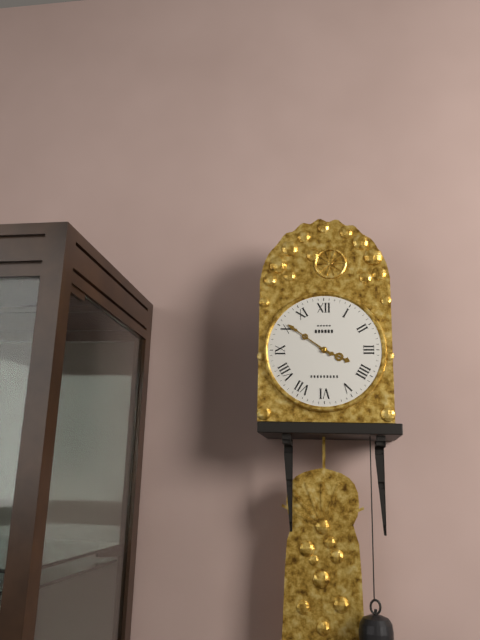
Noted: **3:51**
